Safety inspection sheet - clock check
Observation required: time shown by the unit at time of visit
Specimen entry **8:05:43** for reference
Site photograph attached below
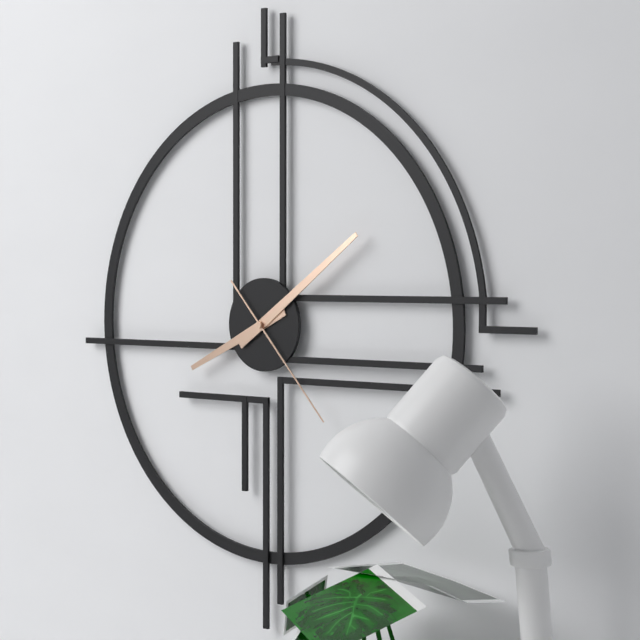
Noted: **8:09:23**
